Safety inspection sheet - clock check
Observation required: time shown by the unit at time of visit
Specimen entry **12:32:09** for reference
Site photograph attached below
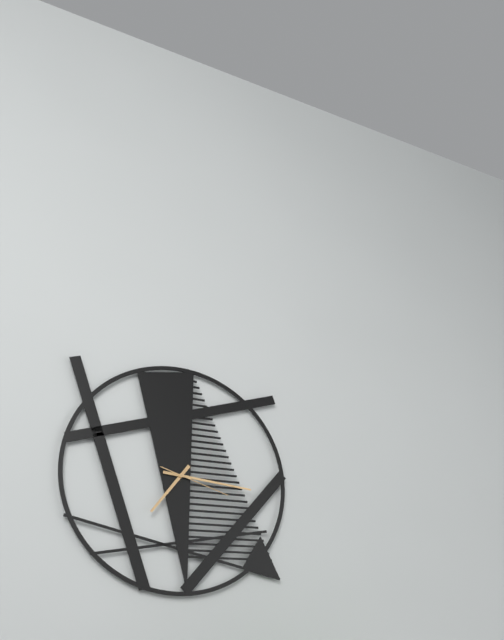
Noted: **7:16:18**
